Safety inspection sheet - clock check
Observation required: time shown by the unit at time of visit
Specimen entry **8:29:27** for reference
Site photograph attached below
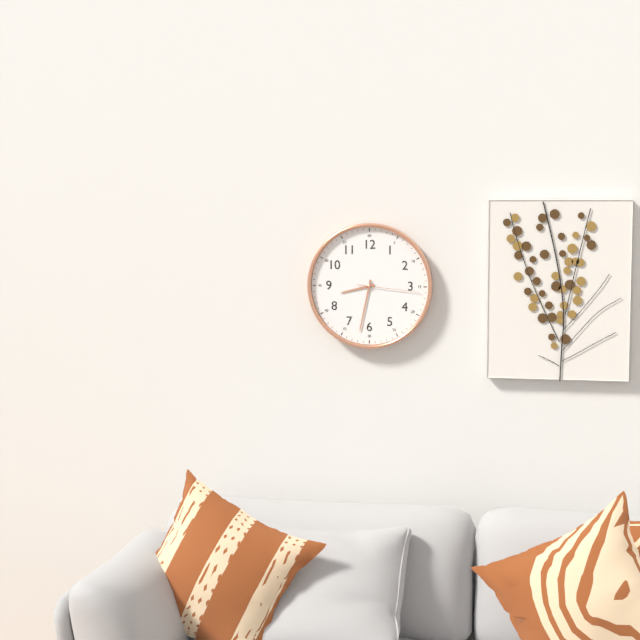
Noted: **8:32:16**
